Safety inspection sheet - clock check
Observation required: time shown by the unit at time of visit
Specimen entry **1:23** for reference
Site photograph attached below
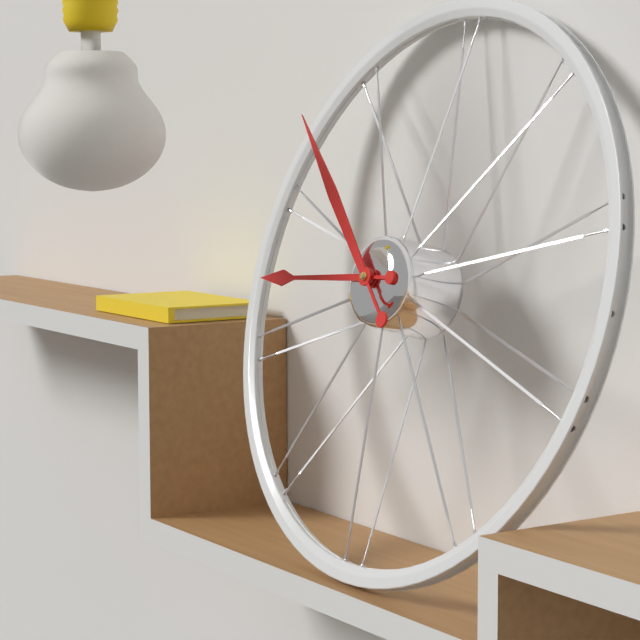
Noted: **8:52**
